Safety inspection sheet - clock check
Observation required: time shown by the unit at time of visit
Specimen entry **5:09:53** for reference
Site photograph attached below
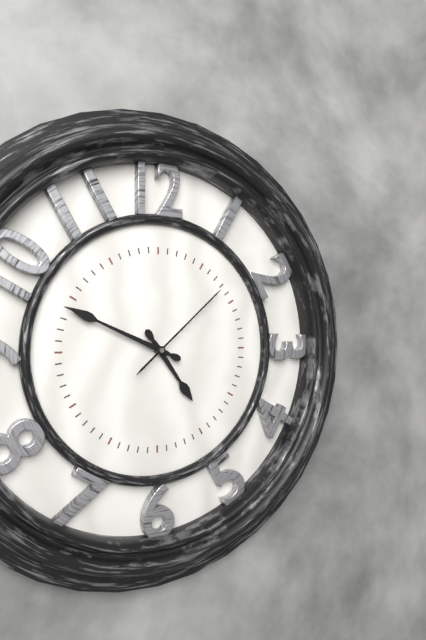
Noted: **4:49:08**
